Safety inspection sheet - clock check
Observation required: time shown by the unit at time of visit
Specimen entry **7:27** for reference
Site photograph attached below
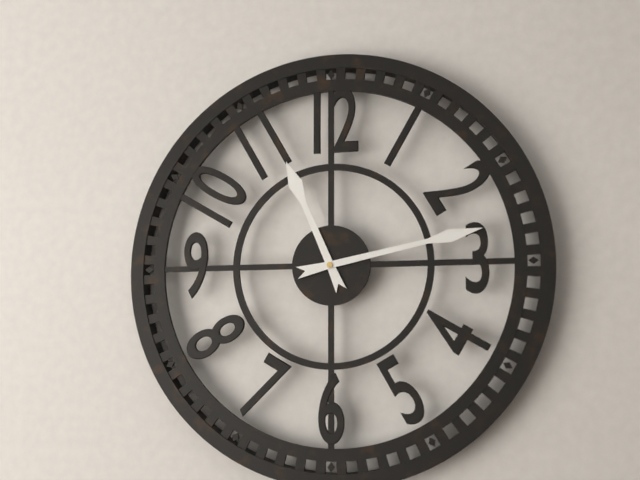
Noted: **11:13**
